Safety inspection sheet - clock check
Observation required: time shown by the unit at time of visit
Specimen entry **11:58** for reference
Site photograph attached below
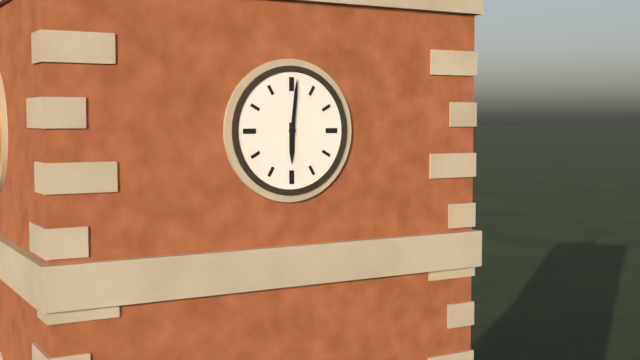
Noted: **6:01**
